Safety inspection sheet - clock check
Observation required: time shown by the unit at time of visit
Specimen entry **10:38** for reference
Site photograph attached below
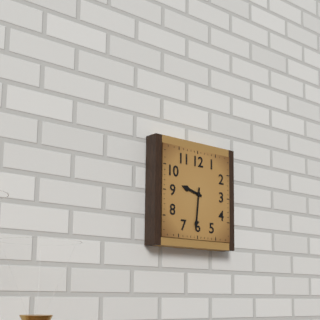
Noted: **9:31**
